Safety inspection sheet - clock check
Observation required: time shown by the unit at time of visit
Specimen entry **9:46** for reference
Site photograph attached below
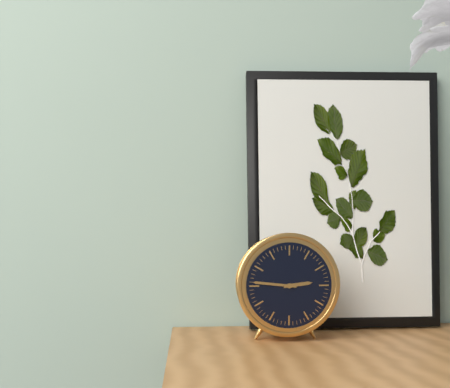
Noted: **2:46**
